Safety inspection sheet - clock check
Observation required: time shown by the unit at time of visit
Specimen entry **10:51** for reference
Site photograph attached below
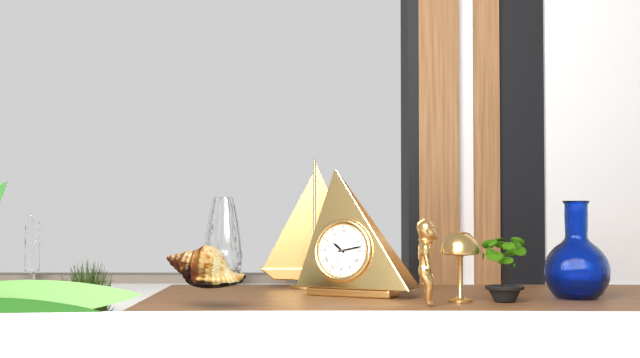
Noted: **10:13**
